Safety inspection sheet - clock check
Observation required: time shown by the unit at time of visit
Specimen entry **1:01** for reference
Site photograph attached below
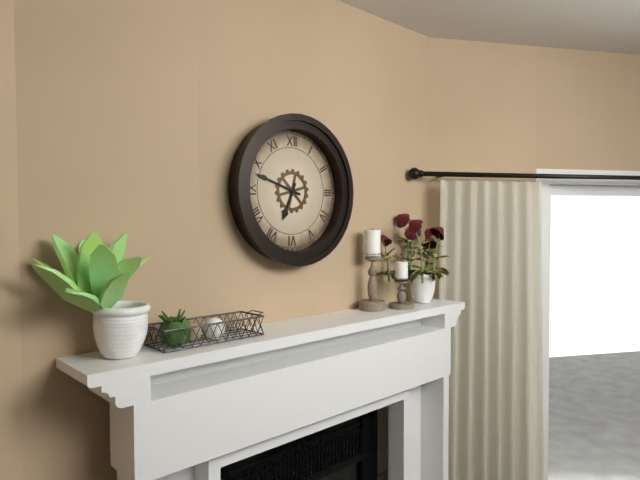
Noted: **6:48**
